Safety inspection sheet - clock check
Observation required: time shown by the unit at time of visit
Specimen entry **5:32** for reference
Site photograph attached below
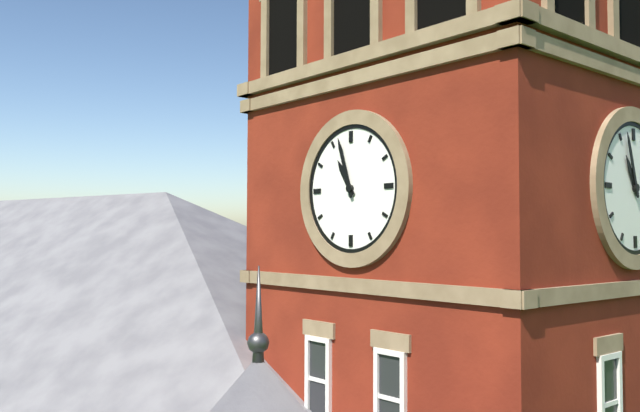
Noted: **10:57**
